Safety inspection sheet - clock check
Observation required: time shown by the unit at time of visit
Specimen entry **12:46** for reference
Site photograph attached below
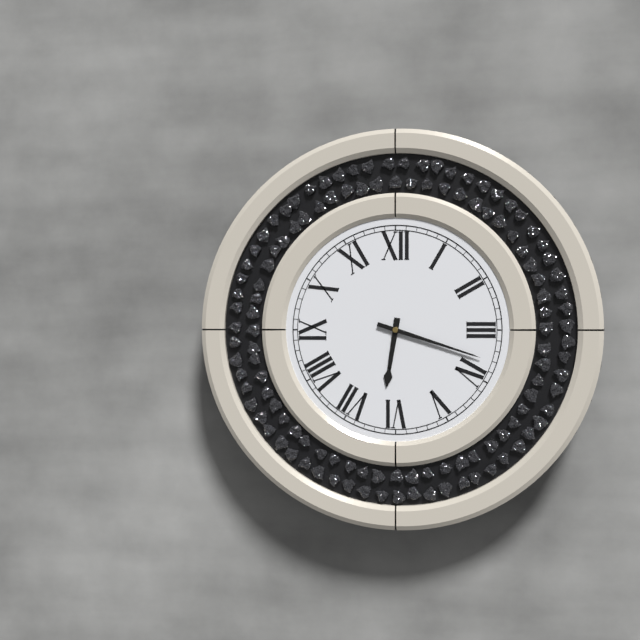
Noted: **6:18**
